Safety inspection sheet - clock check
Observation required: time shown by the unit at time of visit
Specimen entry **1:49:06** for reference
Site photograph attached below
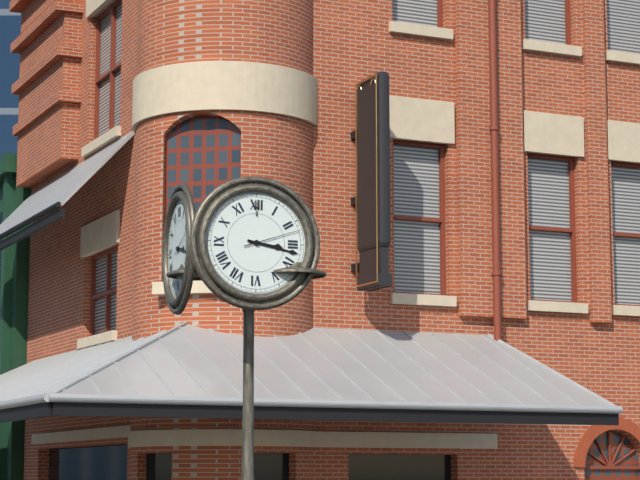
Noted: **3:17:12**
